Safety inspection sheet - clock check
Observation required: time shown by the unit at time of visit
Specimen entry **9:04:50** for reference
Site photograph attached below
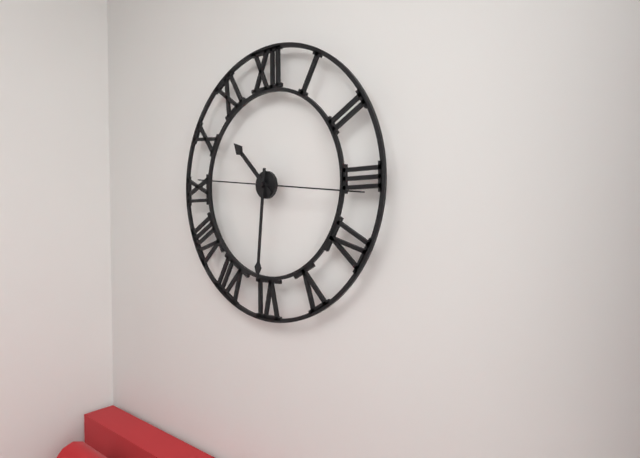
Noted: **10:31:16**
